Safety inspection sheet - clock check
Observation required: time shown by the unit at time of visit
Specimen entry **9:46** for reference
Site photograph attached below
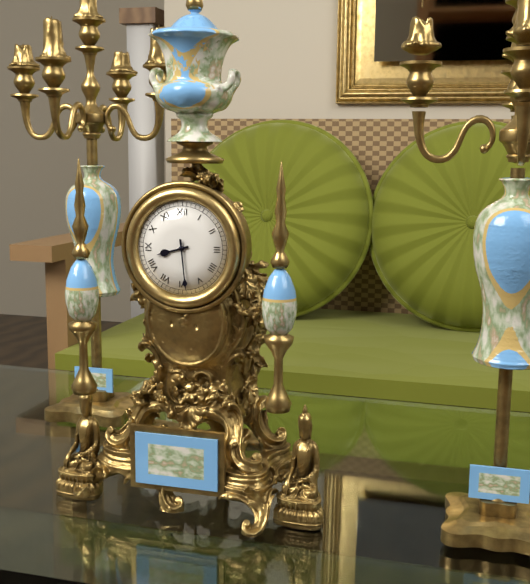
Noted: **8:29**
